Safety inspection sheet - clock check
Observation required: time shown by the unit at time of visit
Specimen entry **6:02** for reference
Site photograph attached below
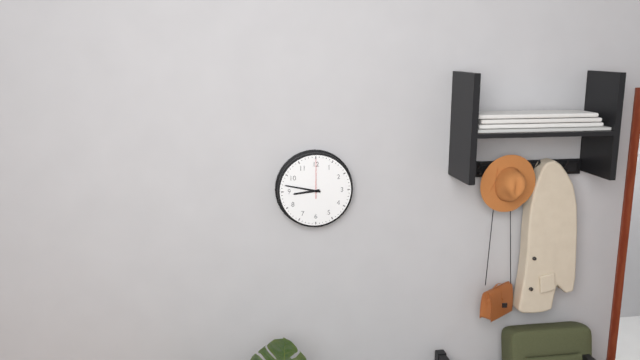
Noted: **8:47**
